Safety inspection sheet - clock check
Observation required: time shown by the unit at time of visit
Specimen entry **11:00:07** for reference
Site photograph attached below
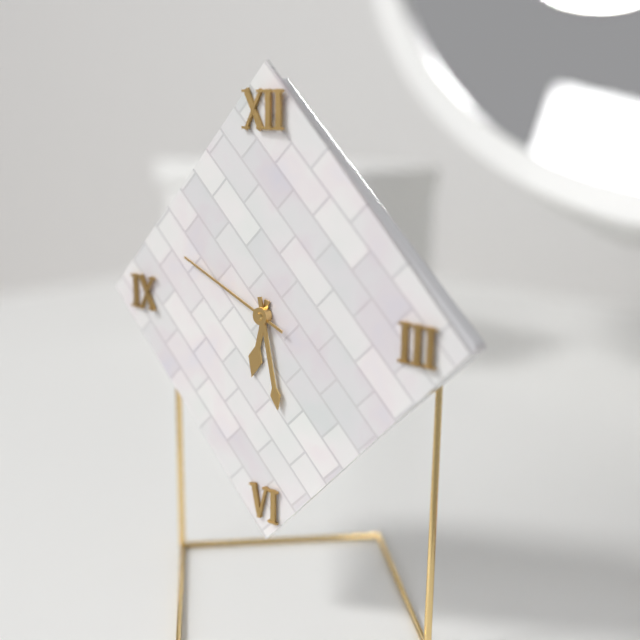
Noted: **6:28:49**
